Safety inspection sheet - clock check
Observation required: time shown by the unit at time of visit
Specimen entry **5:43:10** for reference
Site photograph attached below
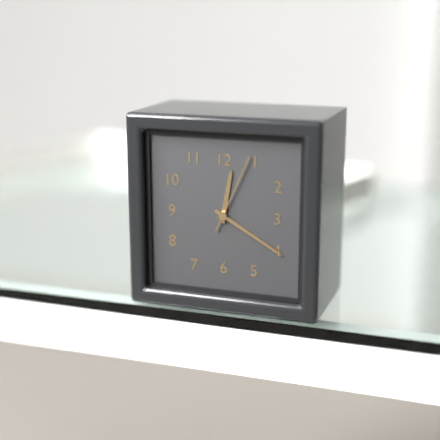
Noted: **12:20:04**
